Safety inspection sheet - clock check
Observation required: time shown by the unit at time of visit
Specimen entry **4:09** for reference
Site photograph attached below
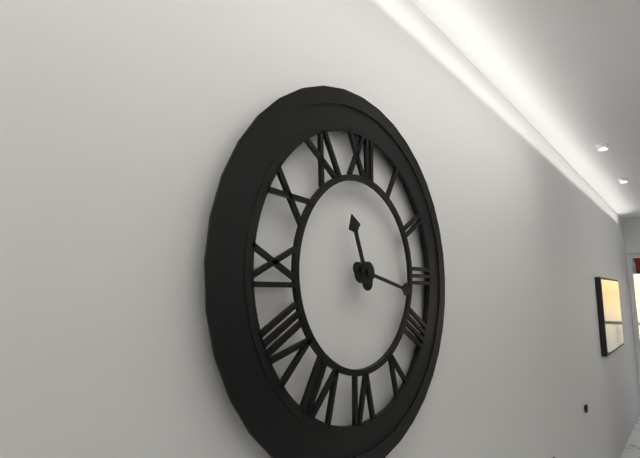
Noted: **11:17**
